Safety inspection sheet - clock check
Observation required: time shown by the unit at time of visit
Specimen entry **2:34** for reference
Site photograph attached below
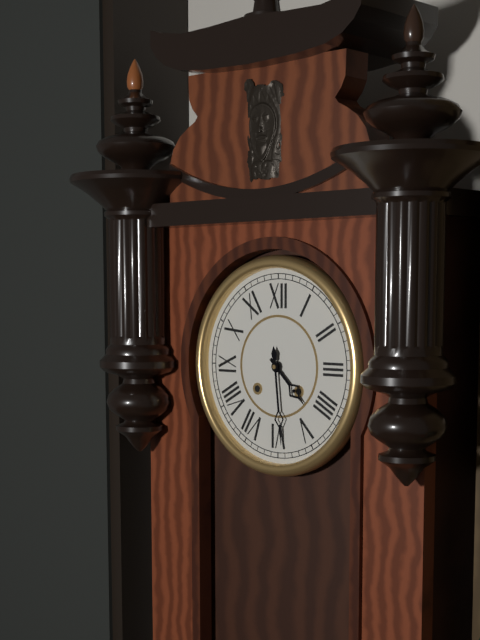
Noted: **4:29**
